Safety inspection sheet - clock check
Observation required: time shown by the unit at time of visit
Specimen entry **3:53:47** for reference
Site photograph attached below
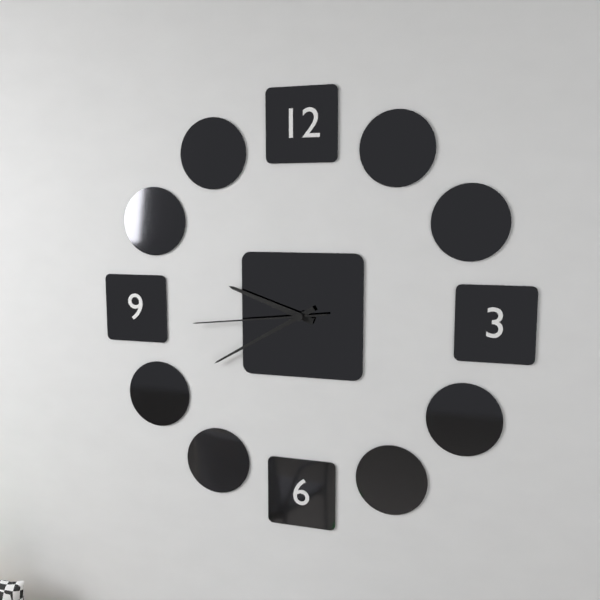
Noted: **9:40:44**
